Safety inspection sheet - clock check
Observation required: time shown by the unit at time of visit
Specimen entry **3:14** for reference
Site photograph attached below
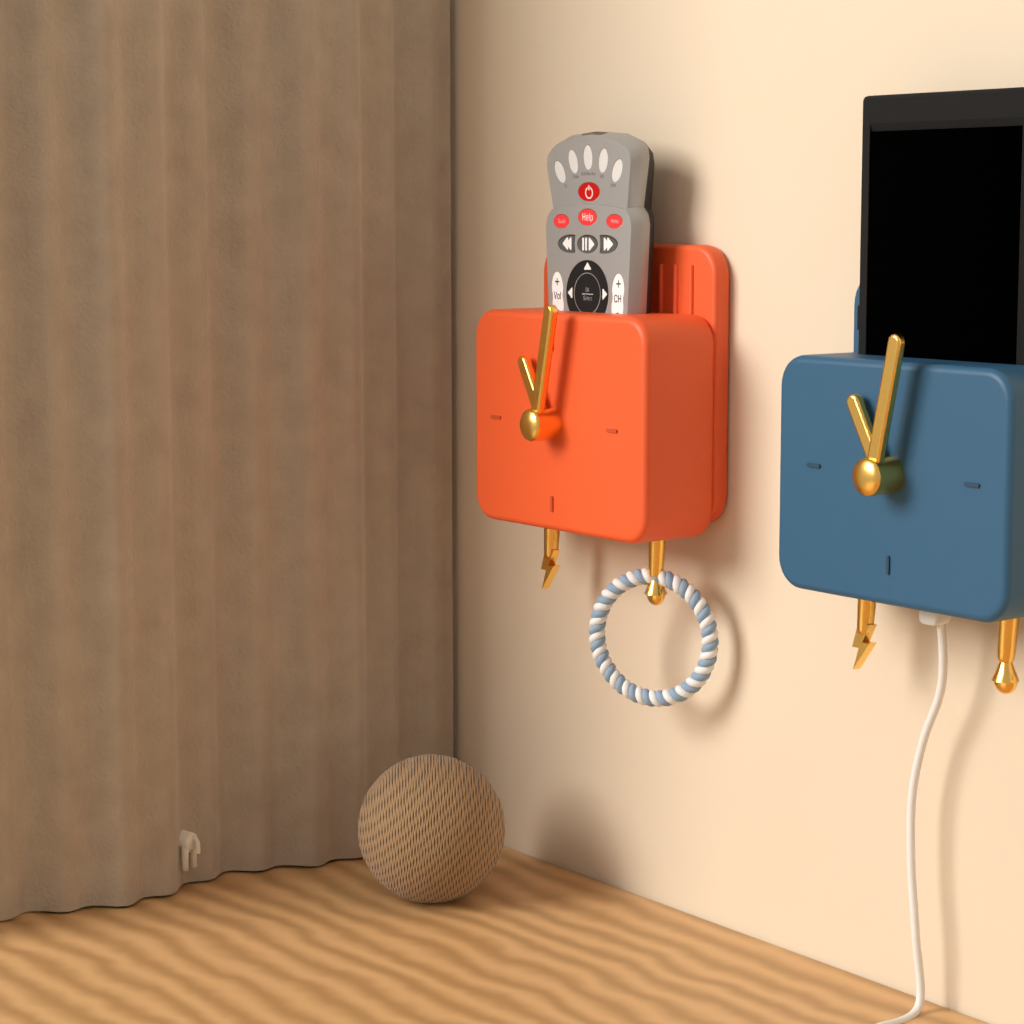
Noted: **11:02**
